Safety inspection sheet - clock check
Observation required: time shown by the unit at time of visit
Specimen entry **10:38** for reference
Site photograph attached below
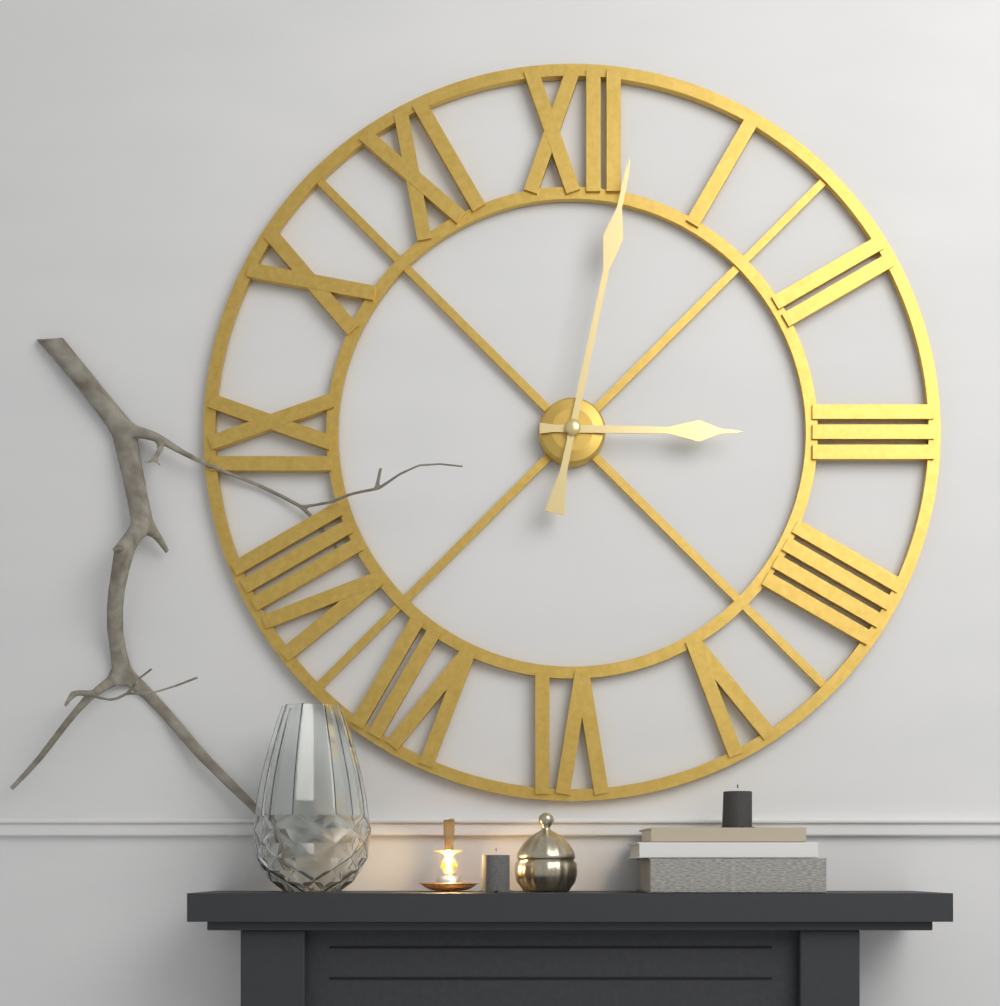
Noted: **3:02**
